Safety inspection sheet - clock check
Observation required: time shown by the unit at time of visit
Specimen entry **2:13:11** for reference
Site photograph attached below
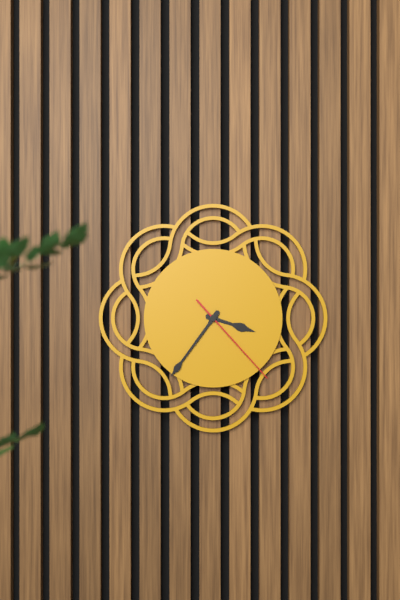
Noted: **3:36:23**
